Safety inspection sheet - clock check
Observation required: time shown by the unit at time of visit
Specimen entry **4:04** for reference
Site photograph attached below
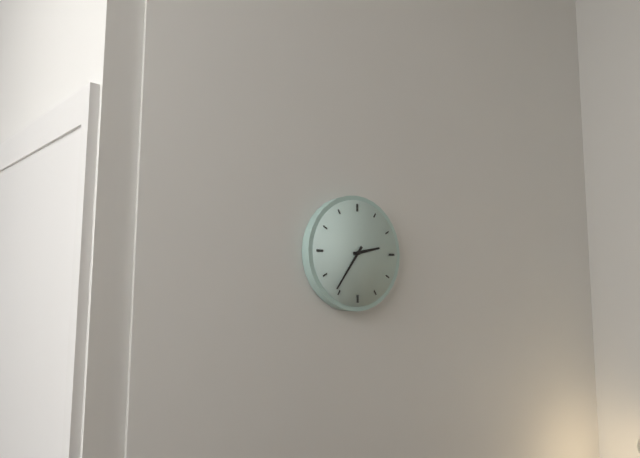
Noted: **2:36**
